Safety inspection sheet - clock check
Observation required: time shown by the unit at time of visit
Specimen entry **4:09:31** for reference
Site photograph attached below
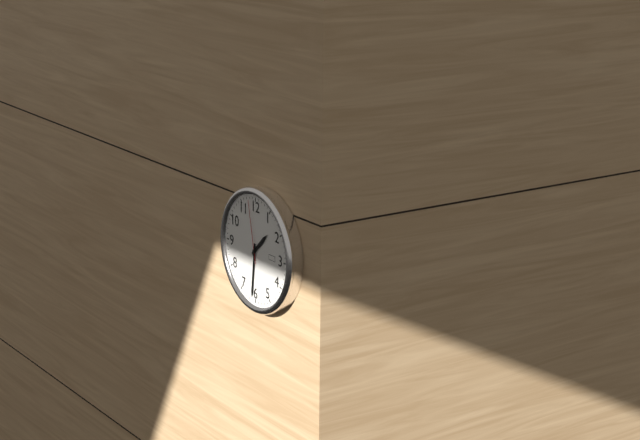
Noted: **1:31:58**
